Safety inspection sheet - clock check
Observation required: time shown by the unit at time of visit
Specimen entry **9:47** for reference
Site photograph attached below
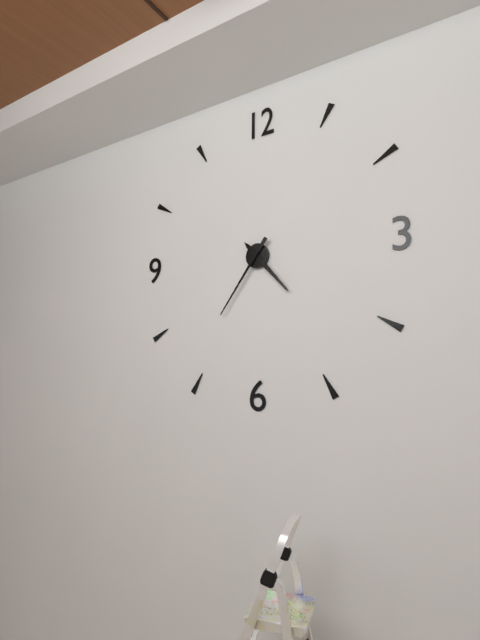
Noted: **4:36**
